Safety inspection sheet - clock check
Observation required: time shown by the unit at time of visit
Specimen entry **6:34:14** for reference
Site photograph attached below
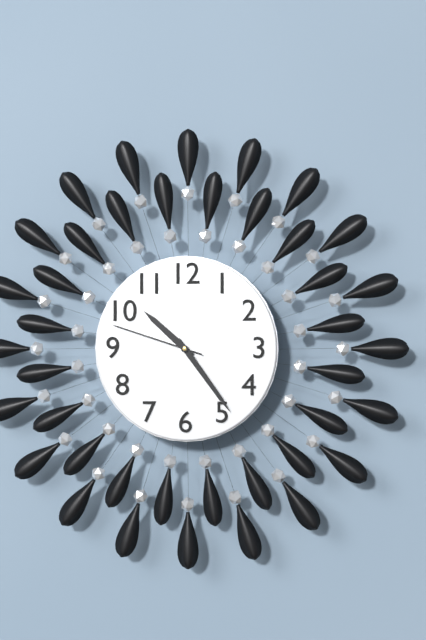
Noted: **10:24:48**
